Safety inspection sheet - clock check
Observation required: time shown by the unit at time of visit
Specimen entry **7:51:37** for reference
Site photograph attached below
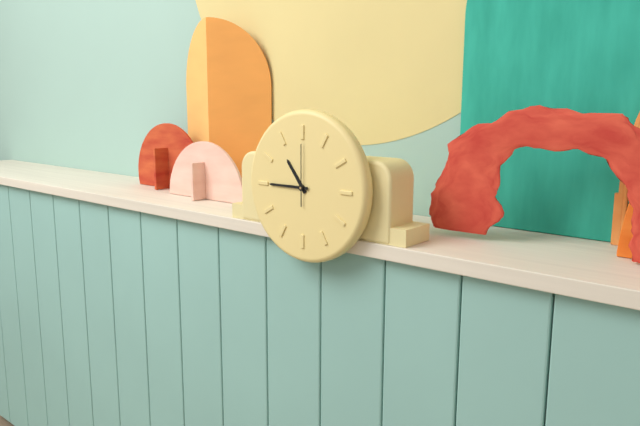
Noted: **10:45:00**
